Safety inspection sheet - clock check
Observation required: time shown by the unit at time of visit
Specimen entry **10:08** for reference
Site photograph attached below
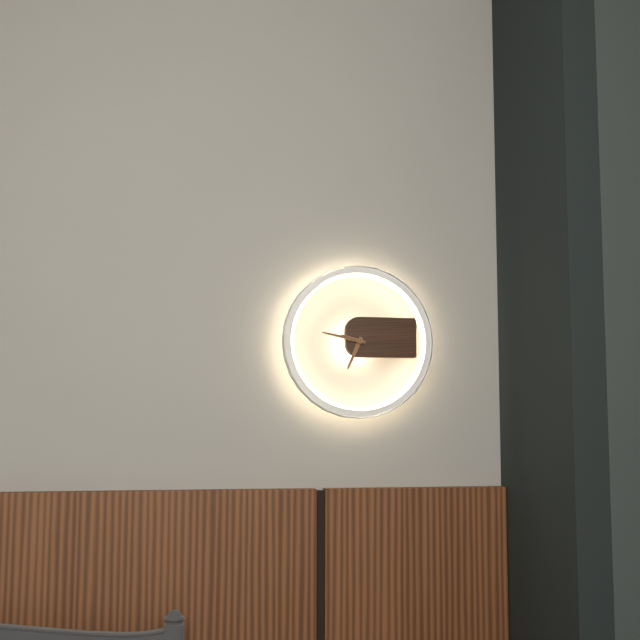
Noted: **6:47**
